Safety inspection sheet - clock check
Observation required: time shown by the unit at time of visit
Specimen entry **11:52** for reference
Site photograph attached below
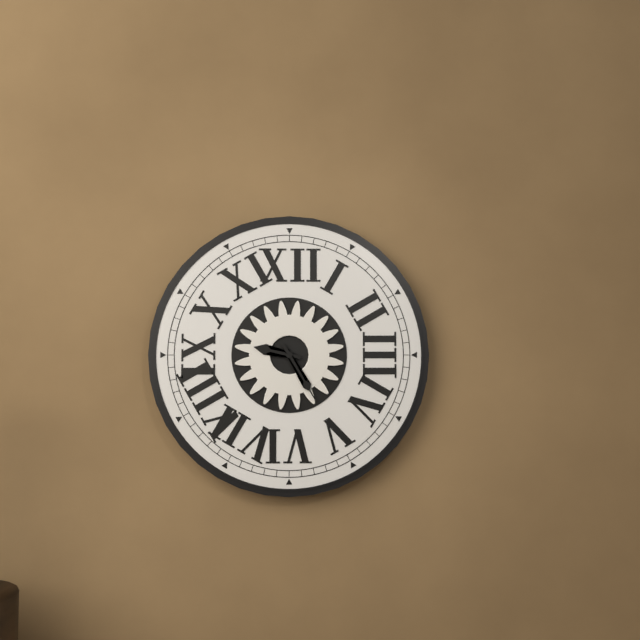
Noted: **9:25**
